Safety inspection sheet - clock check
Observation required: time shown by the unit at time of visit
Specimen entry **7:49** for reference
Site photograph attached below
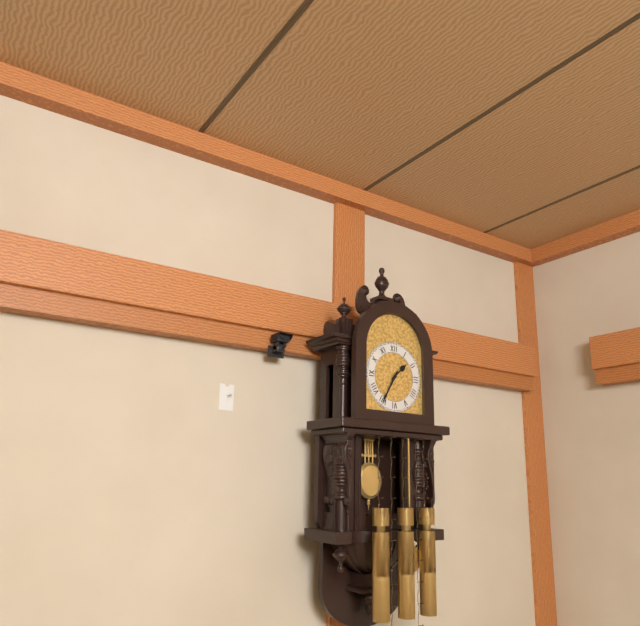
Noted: **1:35**
